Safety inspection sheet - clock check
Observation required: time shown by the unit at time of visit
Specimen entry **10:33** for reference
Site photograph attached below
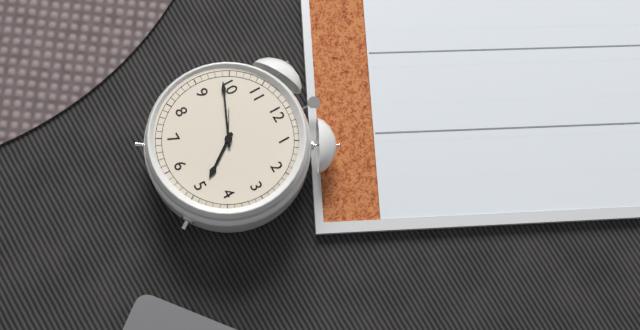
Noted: **4:49**
